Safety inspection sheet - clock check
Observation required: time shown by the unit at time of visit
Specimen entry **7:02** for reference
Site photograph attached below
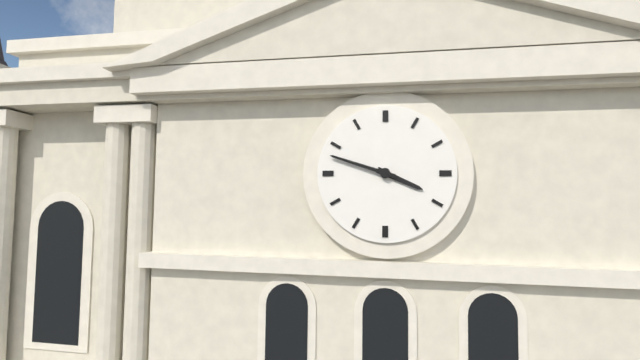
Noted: **3:48**
